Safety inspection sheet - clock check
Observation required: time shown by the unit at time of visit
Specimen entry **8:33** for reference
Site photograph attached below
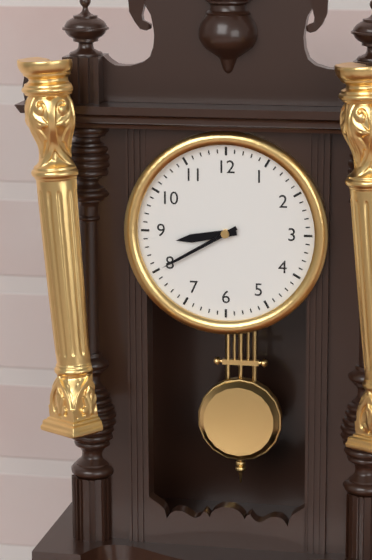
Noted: **8:40**
